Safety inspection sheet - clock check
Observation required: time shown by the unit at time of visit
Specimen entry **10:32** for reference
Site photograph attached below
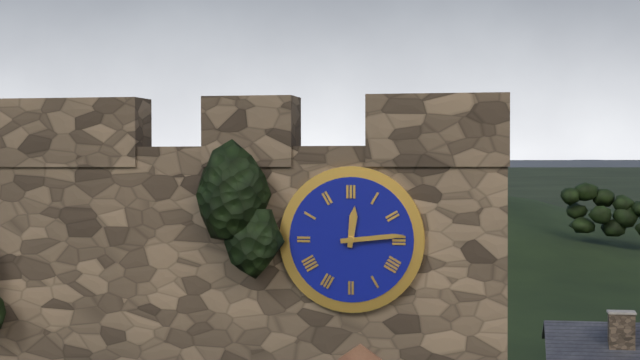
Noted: **12:14**
